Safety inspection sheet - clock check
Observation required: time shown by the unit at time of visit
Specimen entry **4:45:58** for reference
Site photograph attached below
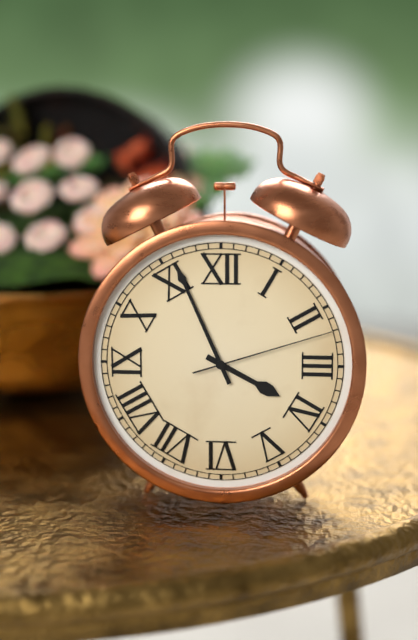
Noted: **3:56:12**
